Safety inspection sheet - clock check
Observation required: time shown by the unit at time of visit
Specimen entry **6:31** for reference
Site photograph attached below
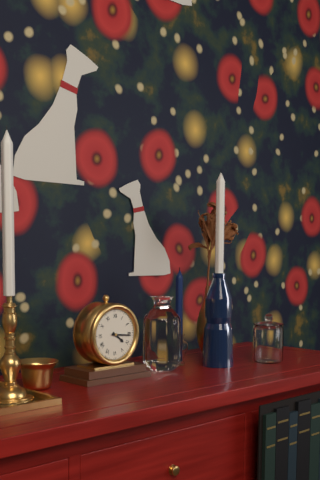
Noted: **4:16**
